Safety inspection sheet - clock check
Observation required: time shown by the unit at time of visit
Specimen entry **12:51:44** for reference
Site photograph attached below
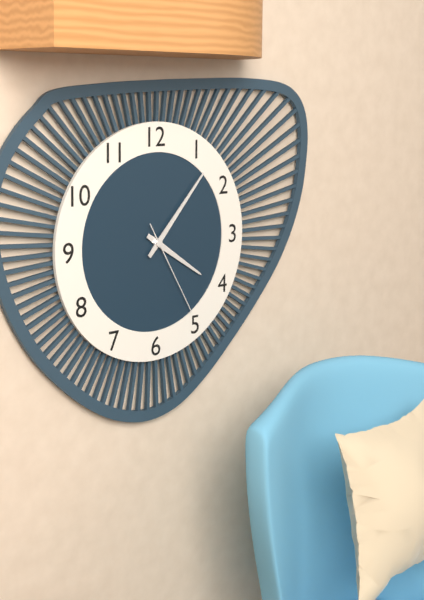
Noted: **4:07:25**
